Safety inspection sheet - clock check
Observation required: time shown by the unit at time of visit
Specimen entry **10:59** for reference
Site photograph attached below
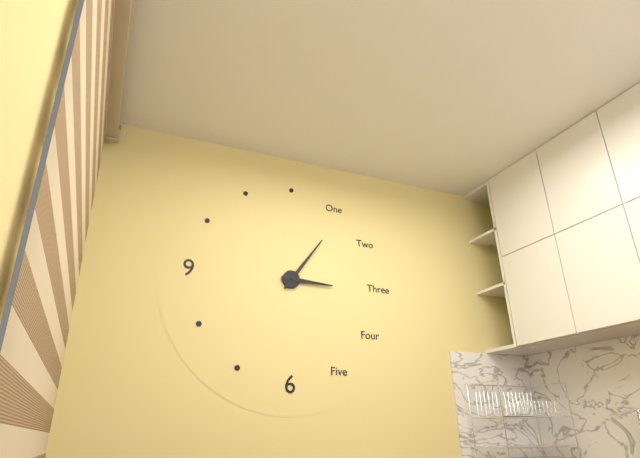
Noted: **3:06**
